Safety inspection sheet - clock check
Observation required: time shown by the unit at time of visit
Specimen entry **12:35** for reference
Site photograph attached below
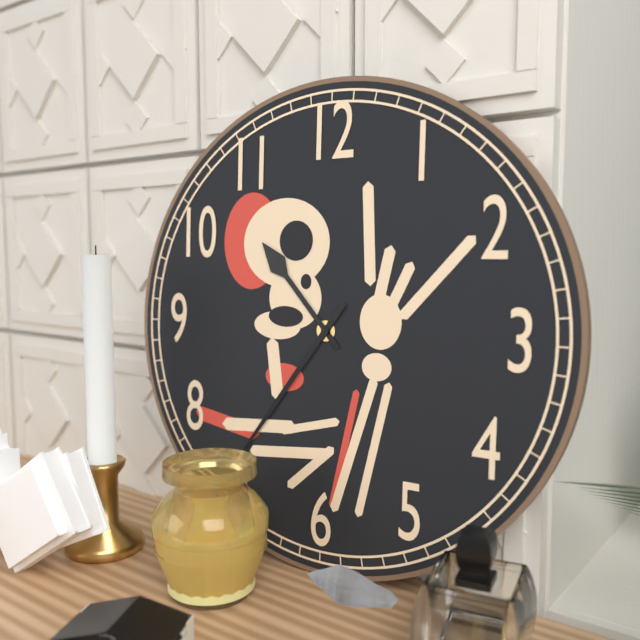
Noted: **10:36**
